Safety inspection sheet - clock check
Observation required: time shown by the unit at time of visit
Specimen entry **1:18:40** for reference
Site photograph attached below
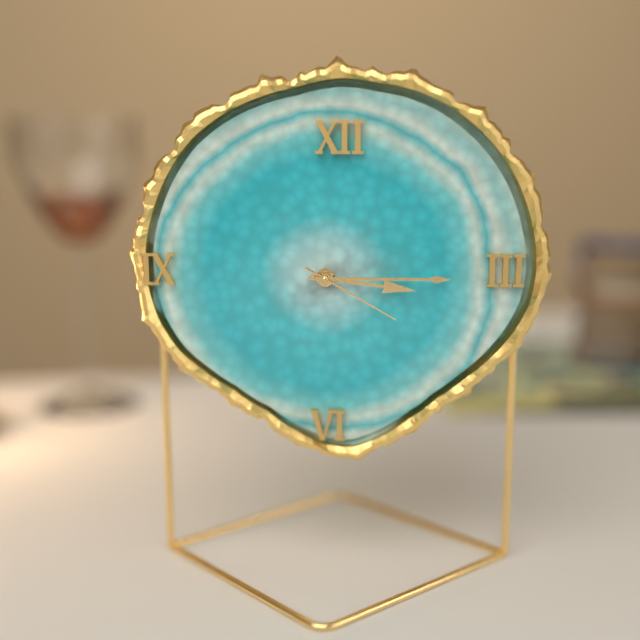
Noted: **3:15:20**
